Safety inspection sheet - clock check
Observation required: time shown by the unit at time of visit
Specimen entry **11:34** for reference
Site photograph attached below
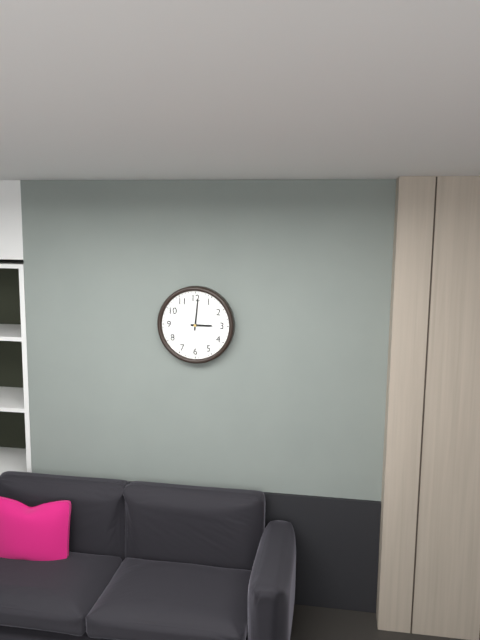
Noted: **3:01**
